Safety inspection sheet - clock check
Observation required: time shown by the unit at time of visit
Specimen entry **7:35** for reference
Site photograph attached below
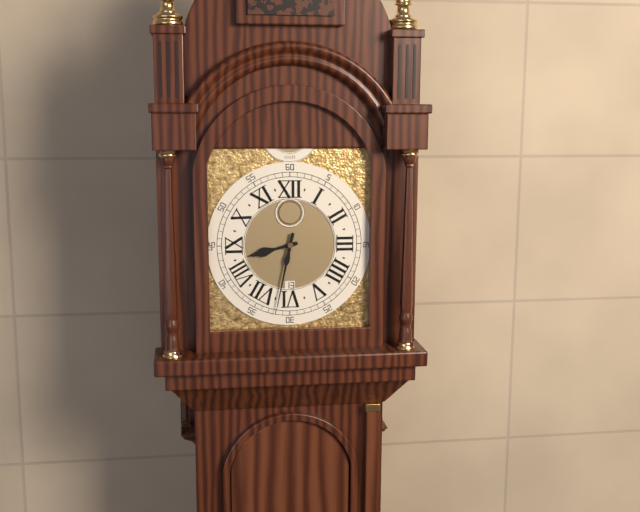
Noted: **8:32**
